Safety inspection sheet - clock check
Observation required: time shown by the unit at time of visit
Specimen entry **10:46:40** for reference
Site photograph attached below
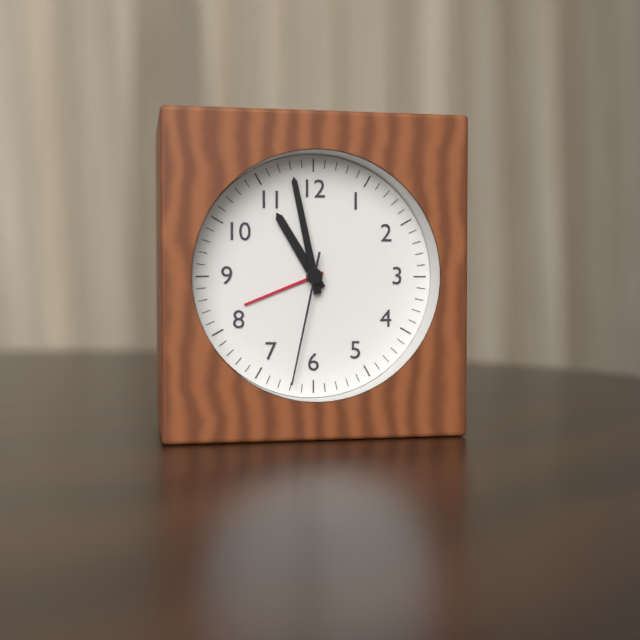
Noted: **10:58:32**
